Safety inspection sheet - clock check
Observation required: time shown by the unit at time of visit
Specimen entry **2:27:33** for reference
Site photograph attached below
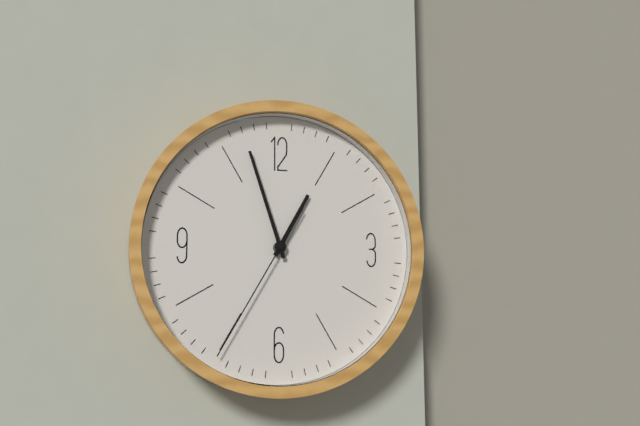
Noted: **12:57:35**
